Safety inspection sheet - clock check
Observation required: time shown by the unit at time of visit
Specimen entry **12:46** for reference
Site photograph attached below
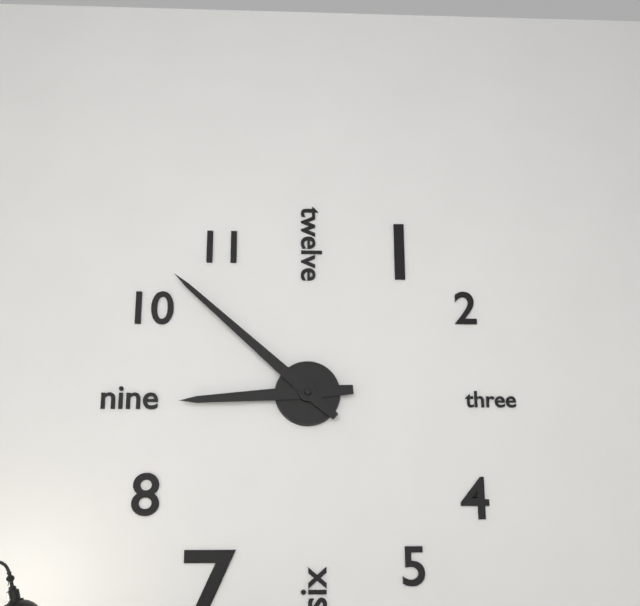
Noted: **8:52**
